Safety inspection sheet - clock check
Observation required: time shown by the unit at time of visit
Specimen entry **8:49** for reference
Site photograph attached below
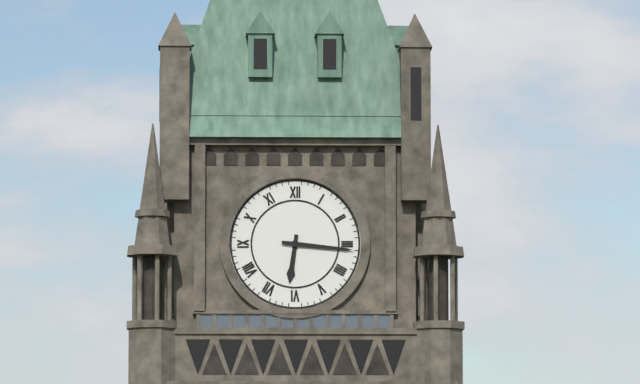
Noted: **6:16**
